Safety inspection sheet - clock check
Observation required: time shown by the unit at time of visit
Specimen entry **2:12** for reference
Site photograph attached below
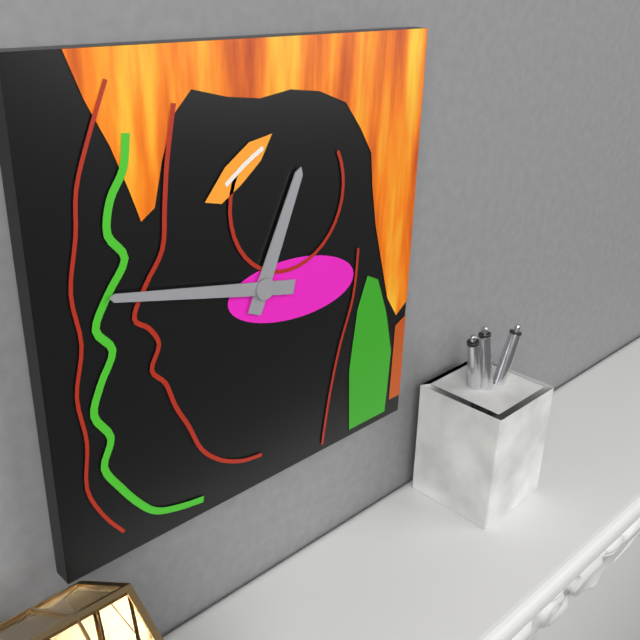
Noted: **12:47**
